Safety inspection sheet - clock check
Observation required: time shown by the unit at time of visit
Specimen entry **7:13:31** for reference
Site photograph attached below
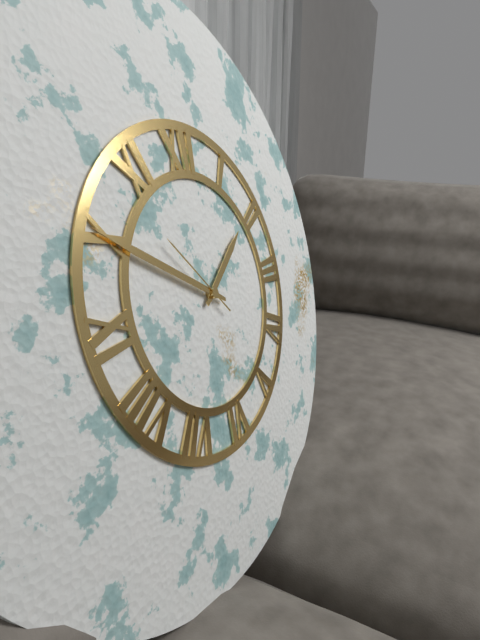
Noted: **1:50:53**
